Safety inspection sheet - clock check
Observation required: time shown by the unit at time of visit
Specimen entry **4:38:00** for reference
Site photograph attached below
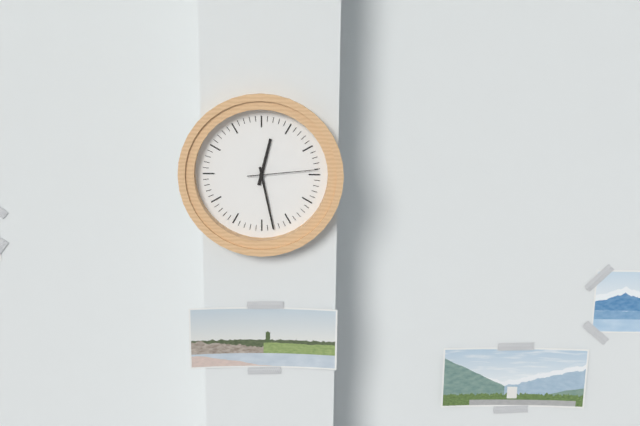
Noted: **12:28:14**
